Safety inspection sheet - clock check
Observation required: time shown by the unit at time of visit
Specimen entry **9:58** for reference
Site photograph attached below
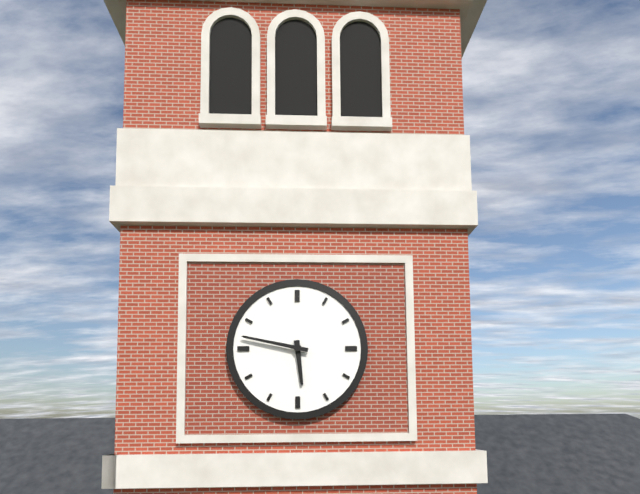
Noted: **5:47**
